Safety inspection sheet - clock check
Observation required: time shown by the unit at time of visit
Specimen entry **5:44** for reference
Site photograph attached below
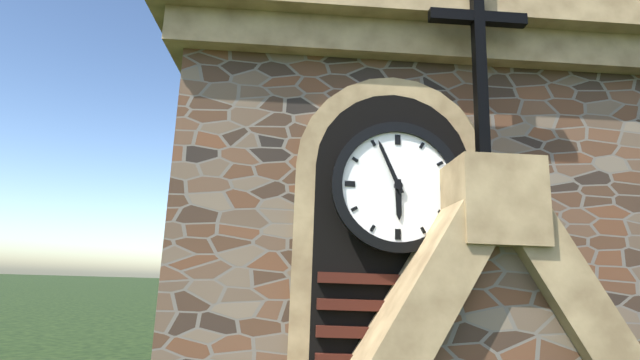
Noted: **5:56**
